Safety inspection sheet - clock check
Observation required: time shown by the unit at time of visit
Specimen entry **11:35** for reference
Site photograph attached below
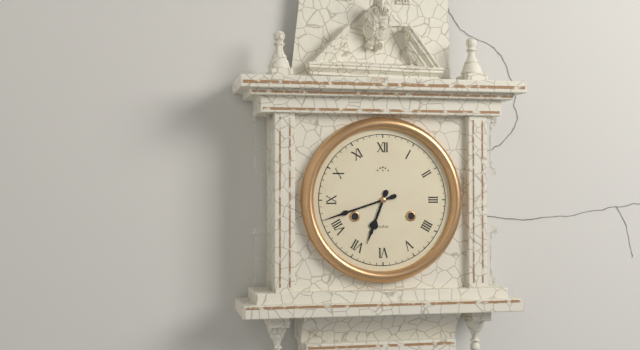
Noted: **6:42**
